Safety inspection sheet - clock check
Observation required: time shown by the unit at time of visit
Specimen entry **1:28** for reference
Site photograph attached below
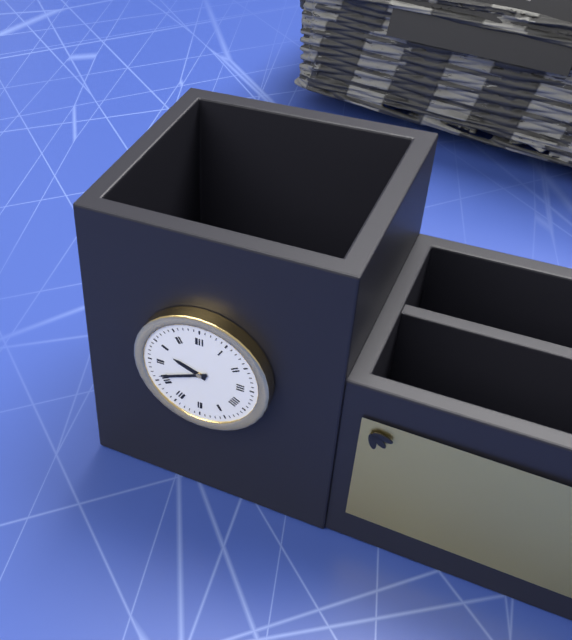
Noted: **9:41**
